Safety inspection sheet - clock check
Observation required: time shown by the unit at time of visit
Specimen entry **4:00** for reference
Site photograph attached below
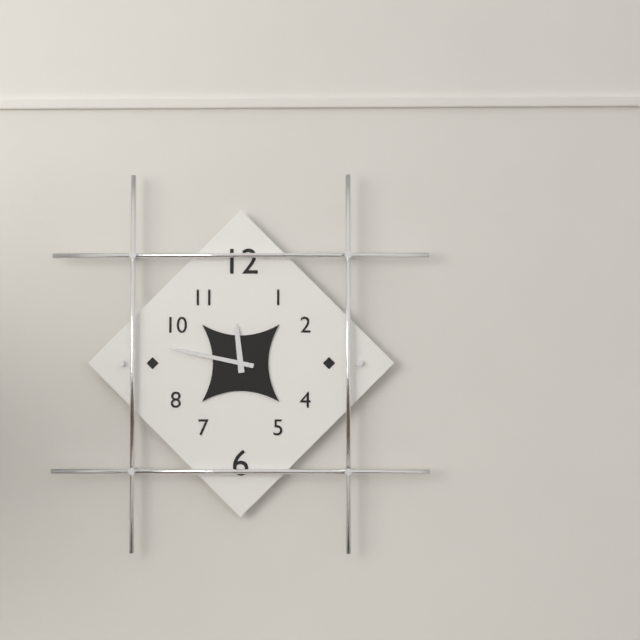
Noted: **11:47**
